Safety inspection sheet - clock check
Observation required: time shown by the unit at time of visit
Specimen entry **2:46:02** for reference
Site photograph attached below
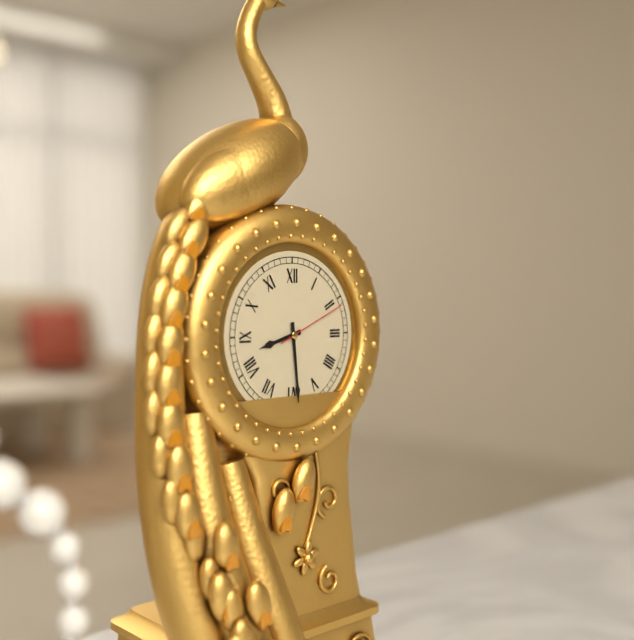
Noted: **8:29:11**
